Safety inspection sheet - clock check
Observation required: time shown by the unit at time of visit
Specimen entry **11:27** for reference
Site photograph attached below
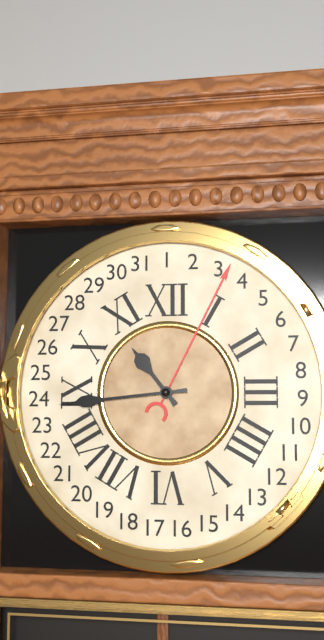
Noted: **10:44**
